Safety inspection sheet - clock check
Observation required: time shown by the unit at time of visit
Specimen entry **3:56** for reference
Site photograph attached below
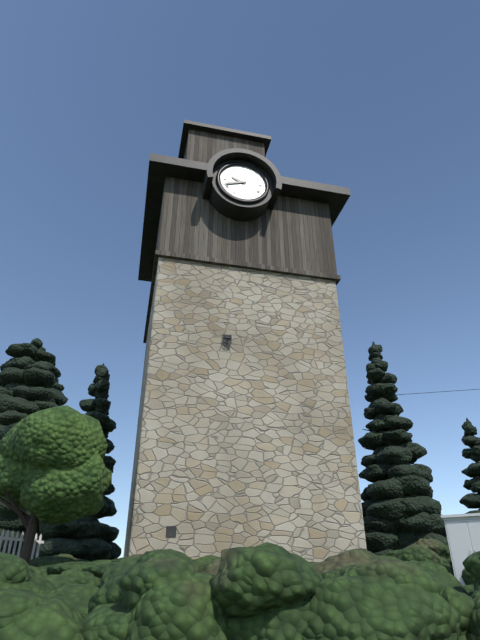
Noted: **9:42**
